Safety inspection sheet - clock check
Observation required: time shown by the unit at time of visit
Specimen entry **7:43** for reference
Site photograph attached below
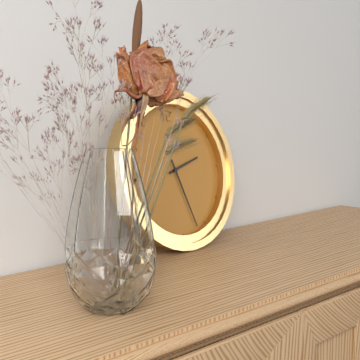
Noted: **2:27**
